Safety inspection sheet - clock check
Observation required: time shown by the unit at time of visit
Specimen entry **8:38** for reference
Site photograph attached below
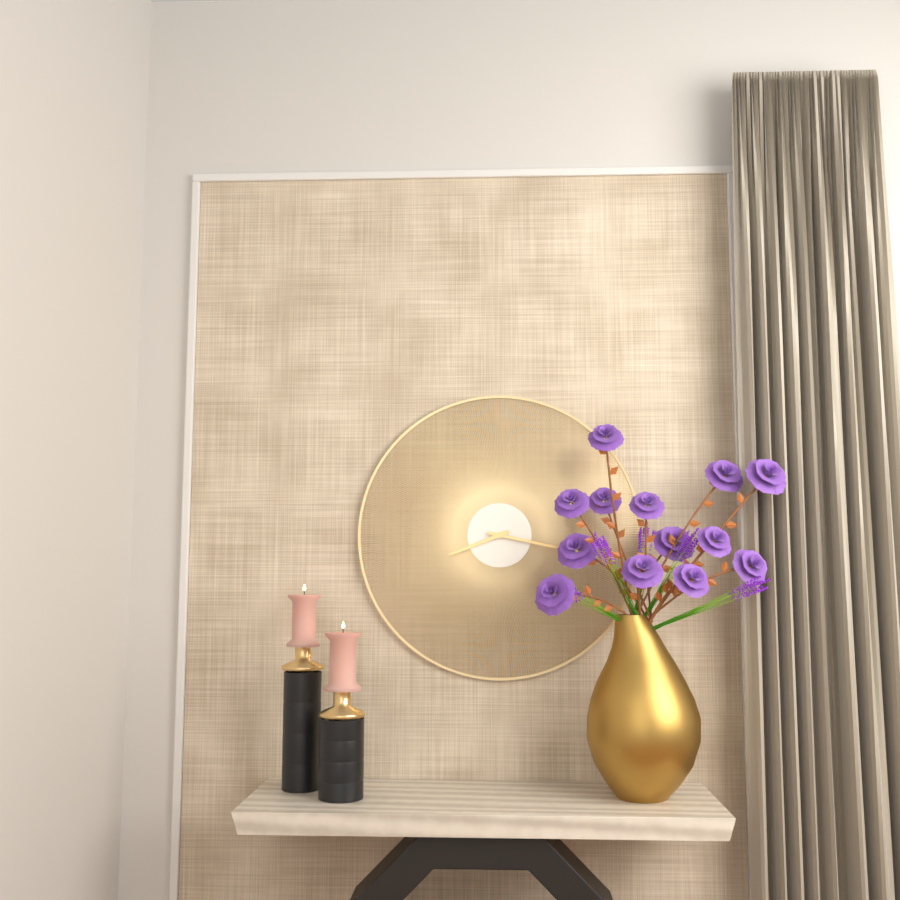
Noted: **8:17**
